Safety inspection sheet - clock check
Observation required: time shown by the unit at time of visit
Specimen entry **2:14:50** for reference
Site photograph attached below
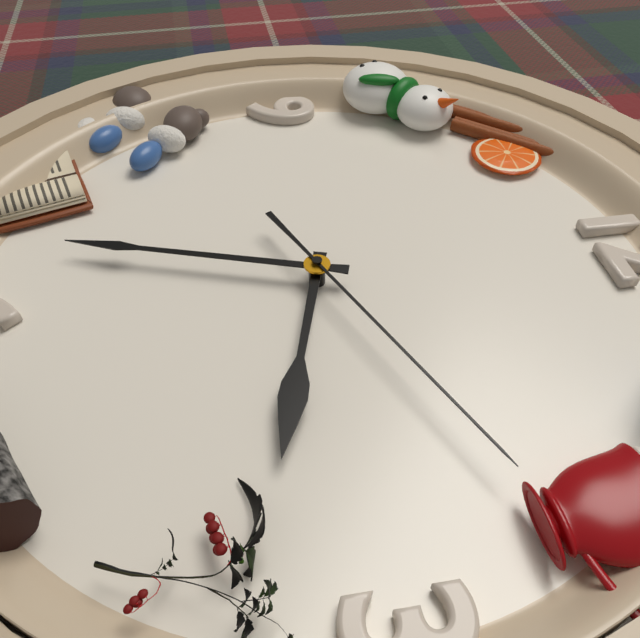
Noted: **3:33:11**
